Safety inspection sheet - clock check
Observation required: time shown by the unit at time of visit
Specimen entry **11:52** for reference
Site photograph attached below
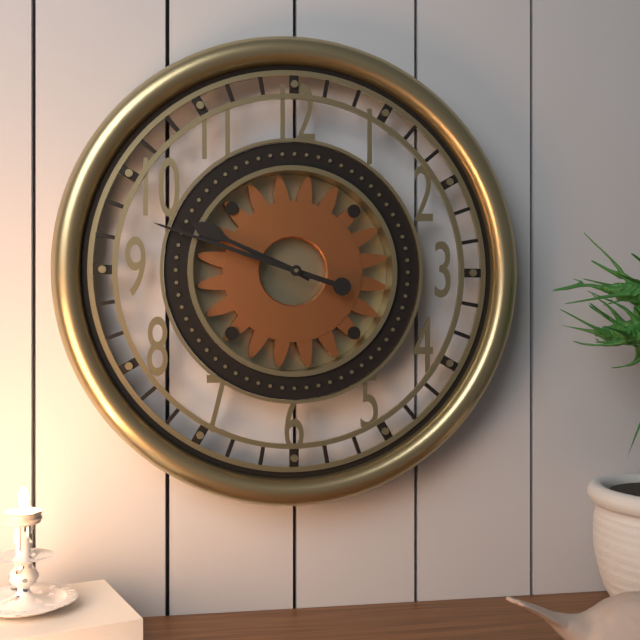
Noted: **9:48**
